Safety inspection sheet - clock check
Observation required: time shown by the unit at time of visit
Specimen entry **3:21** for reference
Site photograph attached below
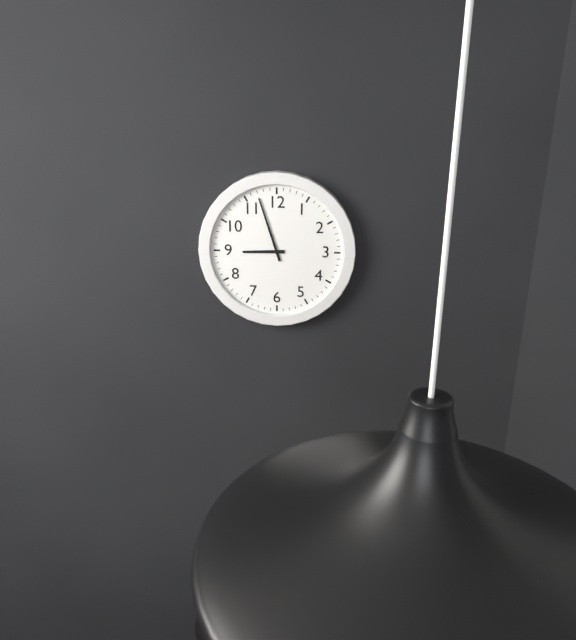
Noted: **8:57**
